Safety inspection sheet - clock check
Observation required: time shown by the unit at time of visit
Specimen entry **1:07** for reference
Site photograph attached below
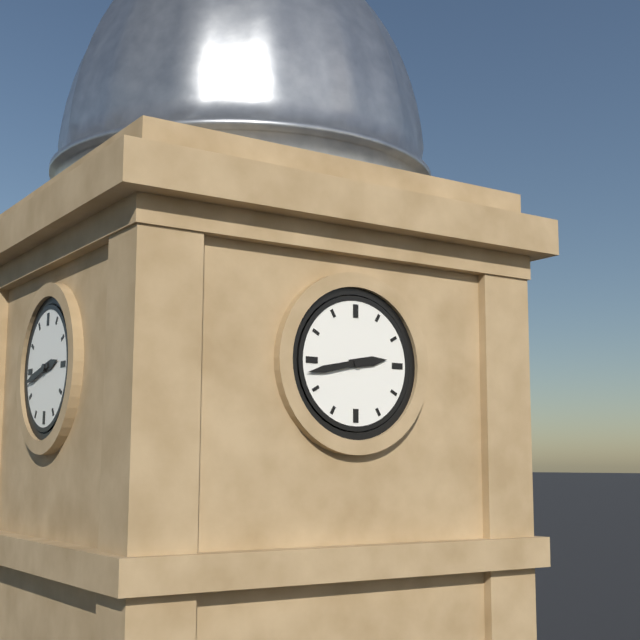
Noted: **2:43**
